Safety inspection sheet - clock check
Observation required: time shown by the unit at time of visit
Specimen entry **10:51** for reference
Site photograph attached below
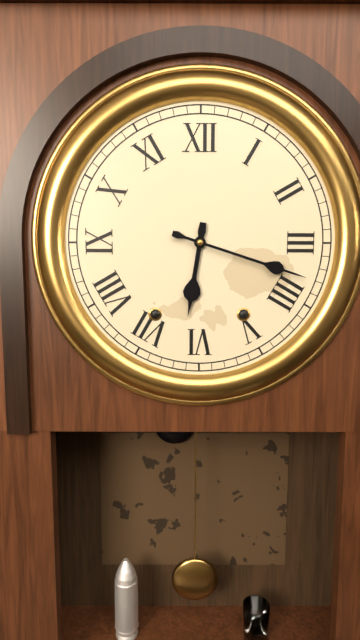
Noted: **6:18**
